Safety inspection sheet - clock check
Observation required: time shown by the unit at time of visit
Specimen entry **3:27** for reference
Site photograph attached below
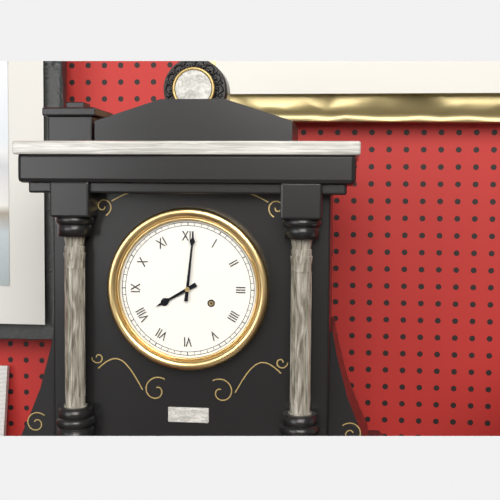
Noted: **8:01**
